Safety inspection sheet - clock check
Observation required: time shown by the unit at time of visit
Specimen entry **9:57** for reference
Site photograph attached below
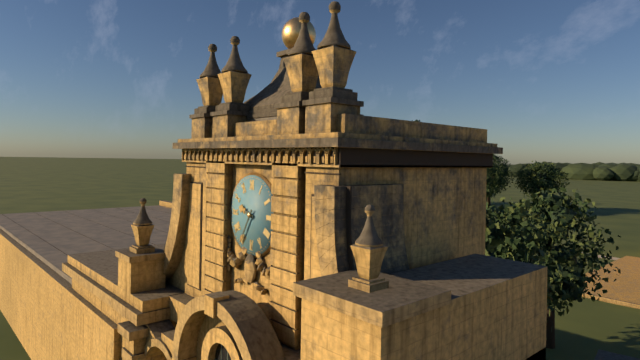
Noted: **9:35**
